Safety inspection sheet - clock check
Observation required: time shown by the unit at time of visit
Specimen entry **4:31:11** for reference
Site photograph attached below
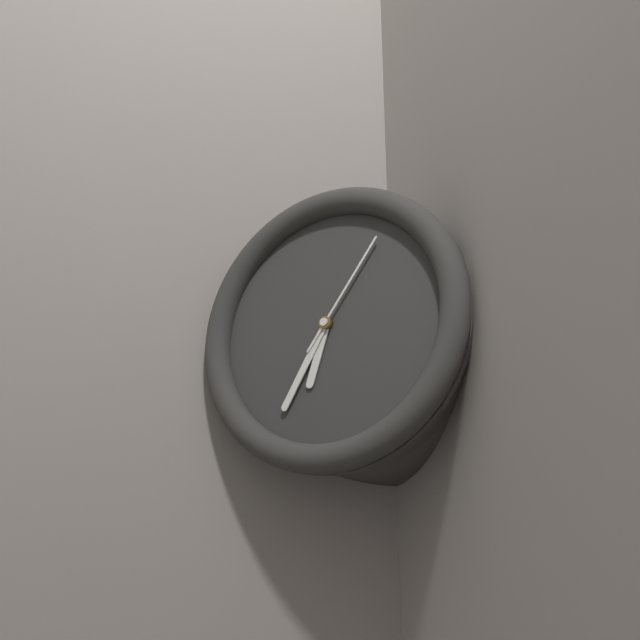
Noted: **6:35:06**
